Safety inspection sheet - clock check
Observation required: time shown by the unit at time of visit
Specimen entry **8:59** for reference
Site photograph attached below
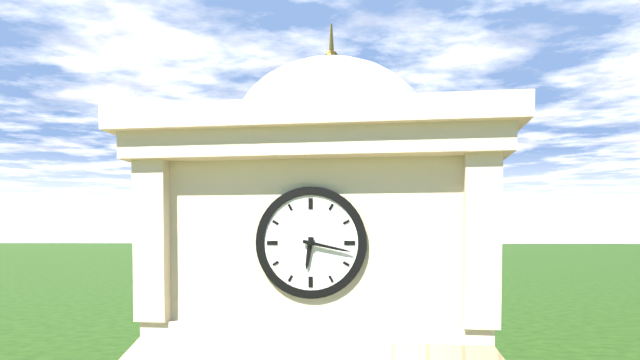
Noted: **6:17**
